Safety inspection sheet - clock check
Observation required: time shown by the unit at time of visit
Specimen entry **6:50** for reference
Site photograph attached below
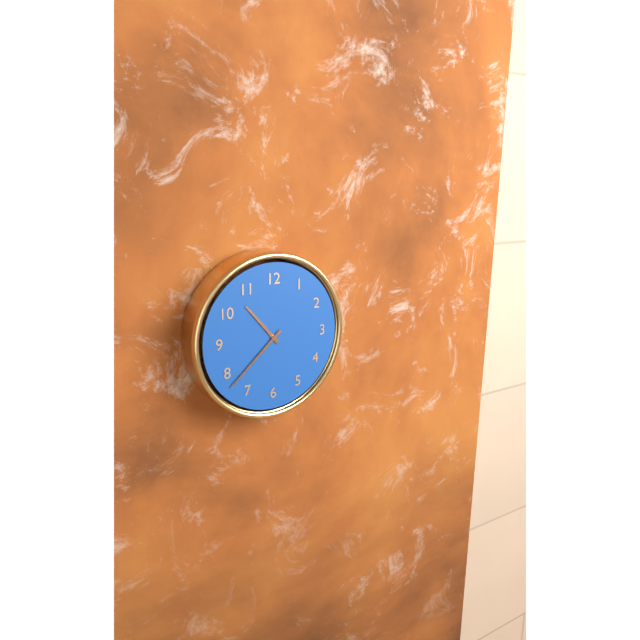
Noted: **10:38**
